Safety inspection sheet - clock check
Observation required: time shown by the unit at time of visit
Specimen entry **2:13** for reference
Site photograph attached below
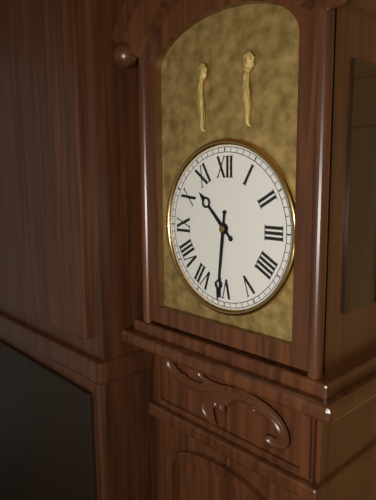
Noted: **10:31**
